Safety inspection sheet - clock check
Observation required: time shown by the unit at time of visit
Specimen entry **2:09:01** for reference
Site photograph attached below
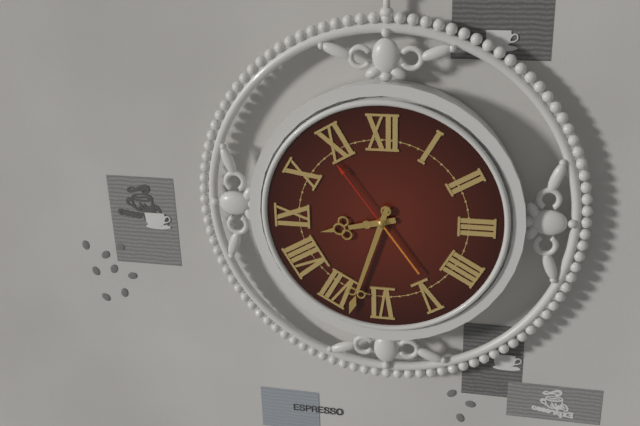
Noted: **8:33:54**
